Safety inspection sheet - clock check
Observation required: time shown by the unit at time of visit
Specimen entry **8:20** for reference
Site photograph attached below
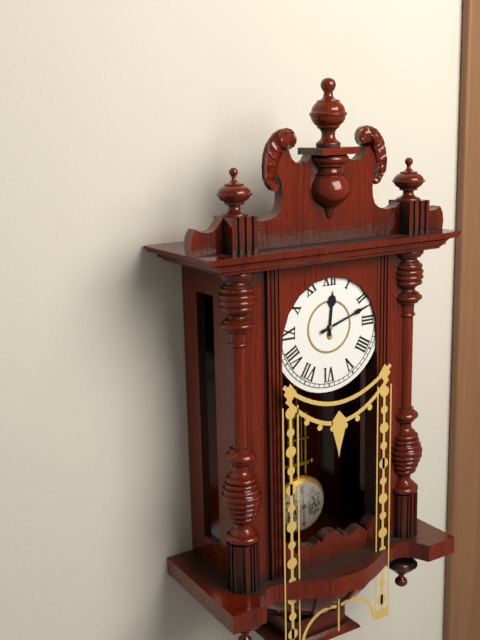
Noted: **12:12**
